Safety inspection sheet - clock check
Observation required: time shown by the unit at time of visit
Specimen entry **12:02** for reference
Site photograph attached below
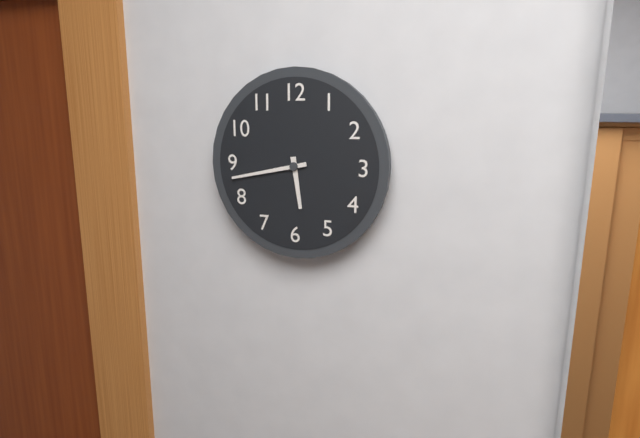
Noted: **5:43**
